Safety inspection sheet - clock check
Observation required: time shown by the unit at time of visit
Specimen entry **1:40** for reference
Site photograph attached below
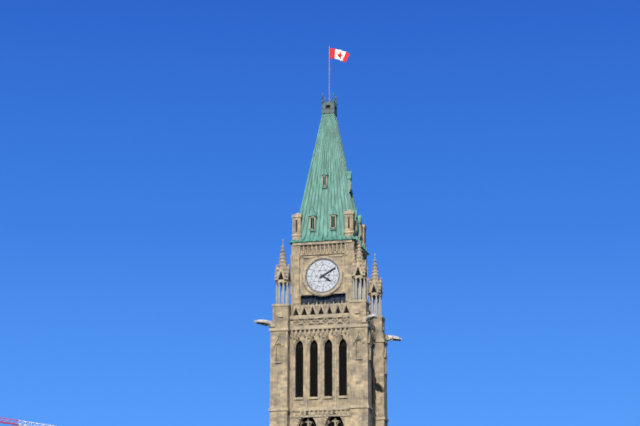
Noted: **4:10**
